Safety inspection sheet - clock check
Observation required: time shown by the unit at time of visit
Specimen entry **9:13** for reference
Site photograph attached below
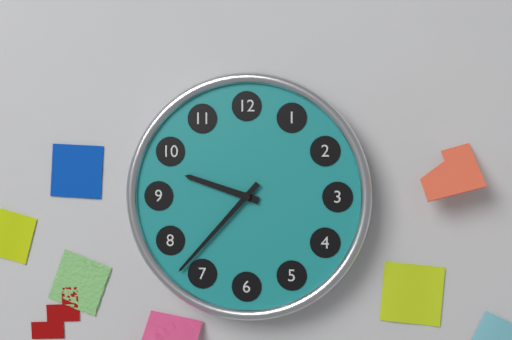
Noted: **9:37**
